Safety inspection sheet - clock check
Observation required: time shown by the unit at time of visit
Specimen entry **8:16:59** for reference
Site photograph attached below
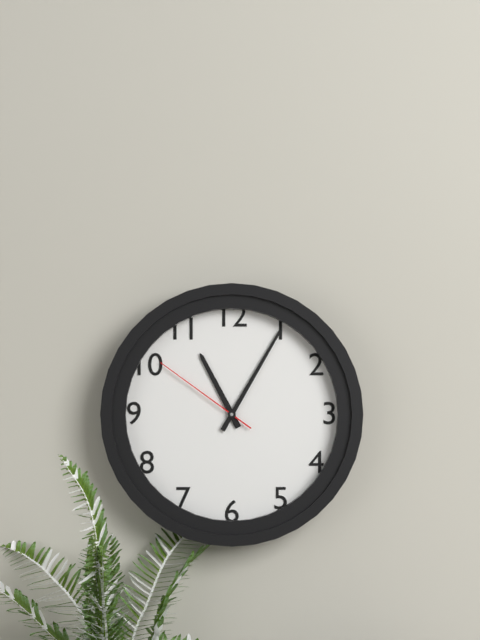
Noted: **11:05:51**
